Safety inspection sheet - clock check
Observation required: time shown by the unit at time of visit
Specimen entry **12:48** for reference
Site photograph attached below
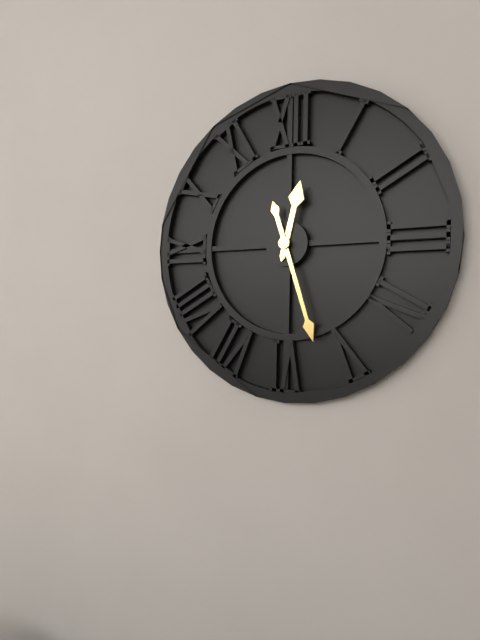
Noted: **12:27**
